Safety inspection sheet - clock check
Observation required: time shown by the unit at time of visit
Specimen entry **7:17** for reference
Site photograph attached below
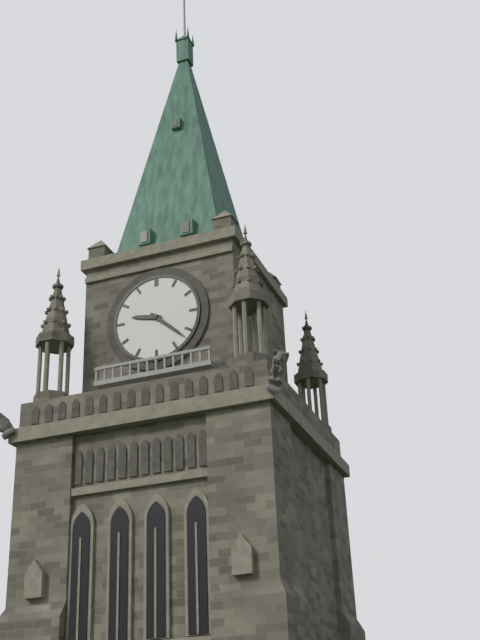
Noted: **9:22**
